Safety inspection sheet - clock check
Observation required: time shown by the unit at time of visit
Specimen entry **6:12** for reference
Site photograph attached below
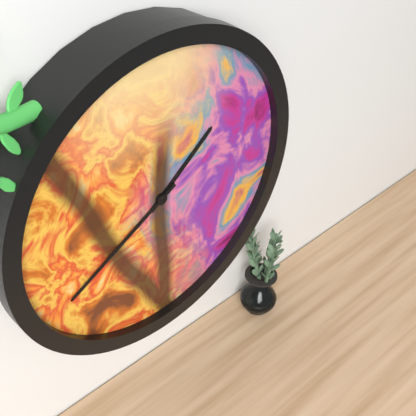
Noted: **1:40**
